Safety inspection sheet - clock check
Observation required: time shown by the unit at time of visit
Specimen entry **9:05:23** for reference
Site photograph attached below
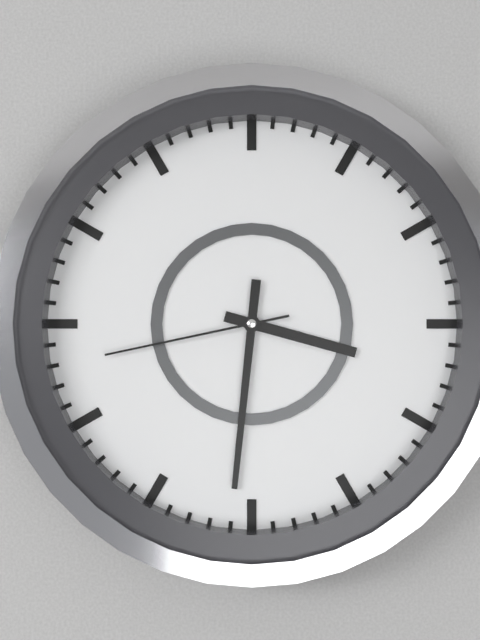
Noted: **3:31:43**
